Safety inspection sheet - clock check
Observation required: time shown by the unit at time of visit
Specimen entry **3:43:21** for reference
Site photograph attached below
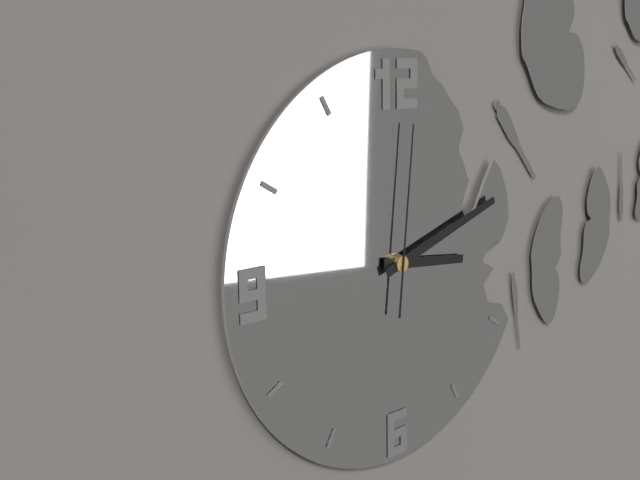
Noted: **3:12:01**
